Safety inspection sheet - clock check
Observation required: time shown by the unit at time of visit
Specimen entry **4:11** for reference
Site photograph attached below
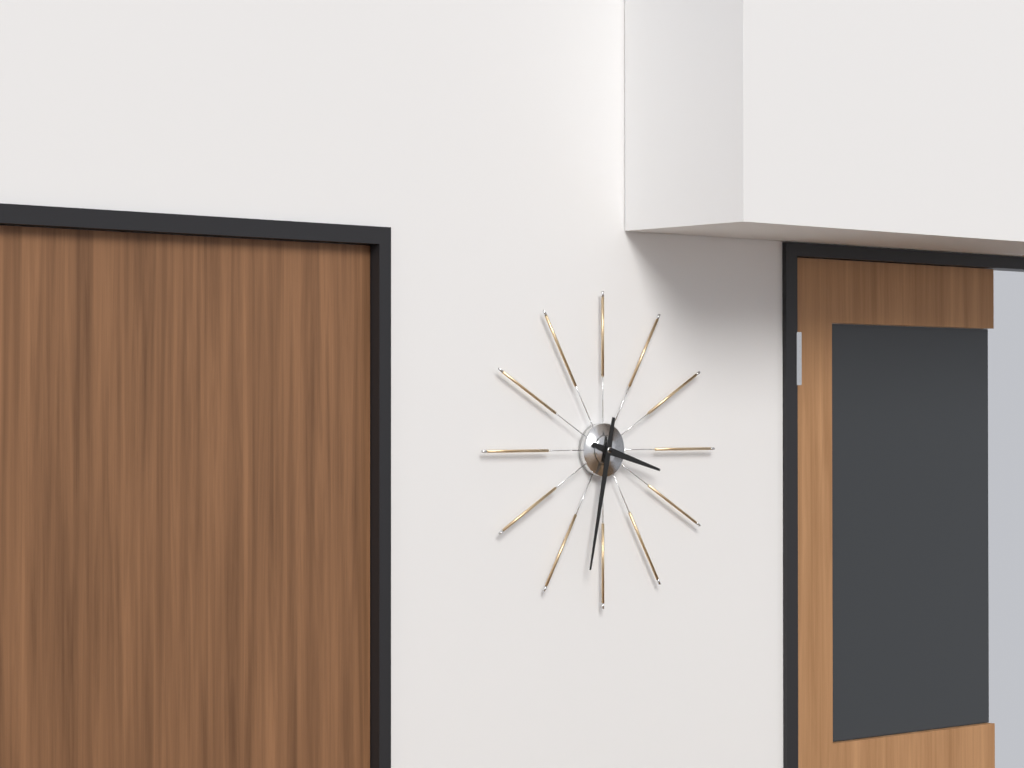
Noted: **3:32**
